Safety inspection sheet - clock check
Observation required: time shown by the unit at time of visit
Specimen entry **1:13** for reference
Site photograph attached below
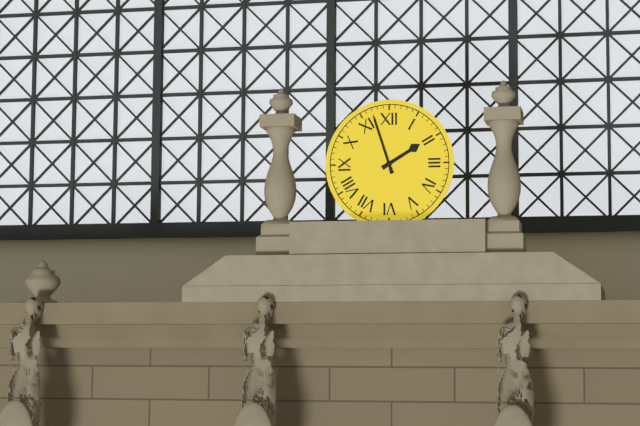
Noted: **1:57**
